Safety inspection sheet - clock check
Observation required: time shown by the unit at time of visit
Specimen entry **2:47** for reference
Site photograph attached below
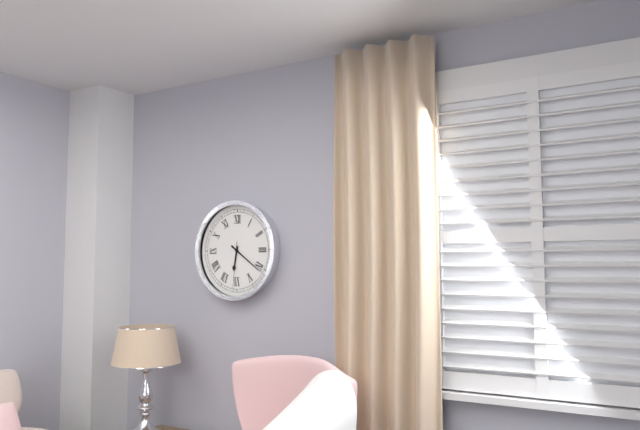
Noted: **6:21**
